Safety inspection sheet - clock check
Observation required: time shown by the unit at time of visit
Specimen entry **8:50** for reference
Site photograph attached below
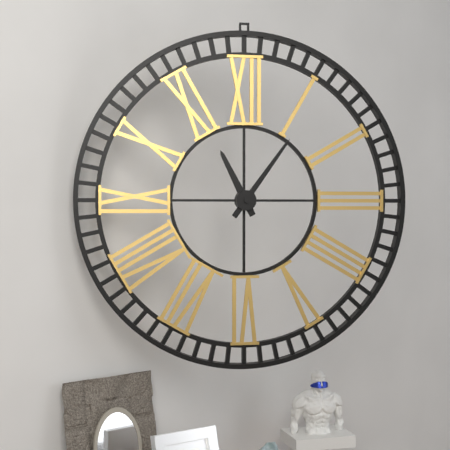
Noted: **11:06**
